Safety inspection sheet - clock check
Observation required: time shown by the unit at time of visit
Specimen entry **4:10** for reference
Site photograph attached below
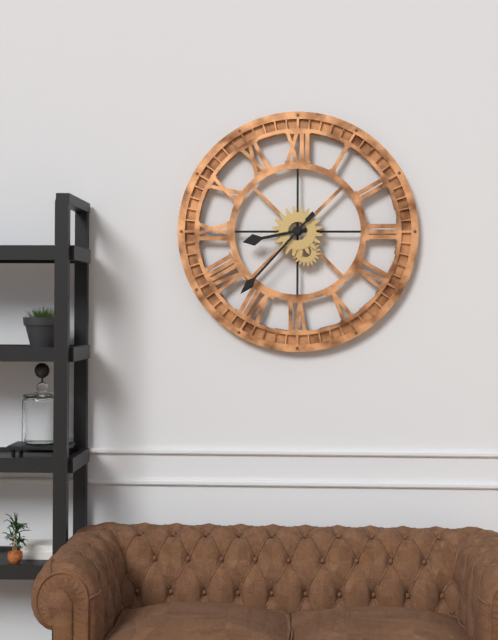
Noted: **8:37**
